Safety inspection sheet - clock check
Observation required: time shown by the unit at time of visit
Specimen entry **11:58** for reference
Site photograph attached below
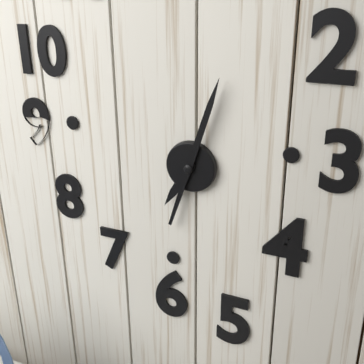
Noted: **7:03**
